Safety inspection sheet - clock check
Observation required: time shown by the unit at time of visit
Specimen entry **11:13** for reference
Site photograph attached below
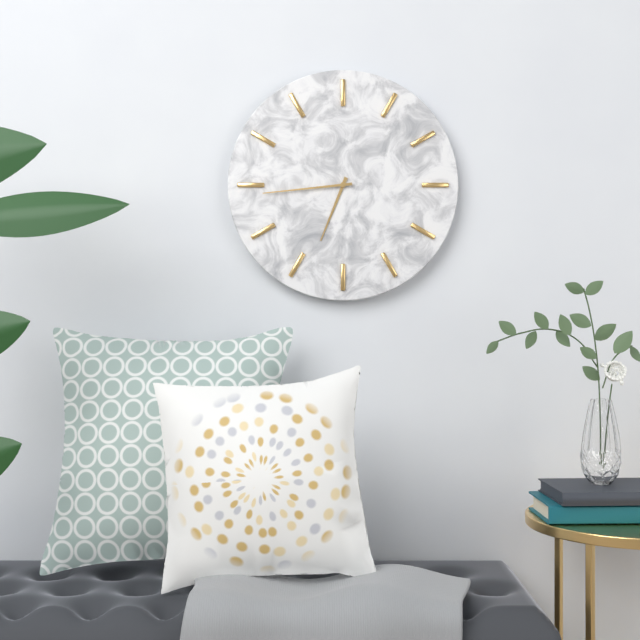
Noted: **6:44**
